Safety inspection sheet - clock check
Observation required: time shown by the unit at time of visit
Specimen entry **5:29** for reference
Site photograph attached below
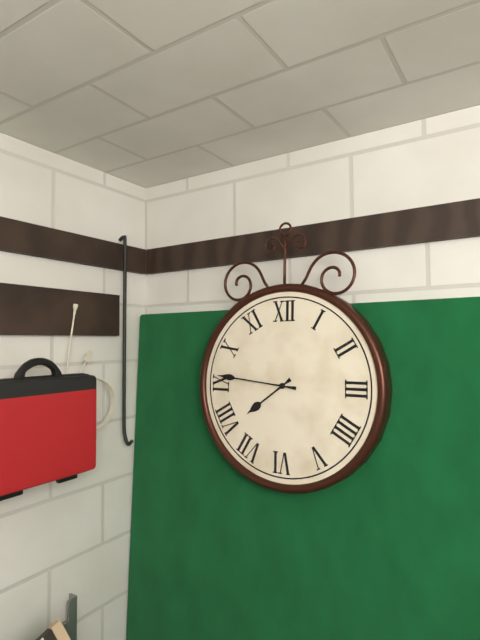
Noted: **7:46**
